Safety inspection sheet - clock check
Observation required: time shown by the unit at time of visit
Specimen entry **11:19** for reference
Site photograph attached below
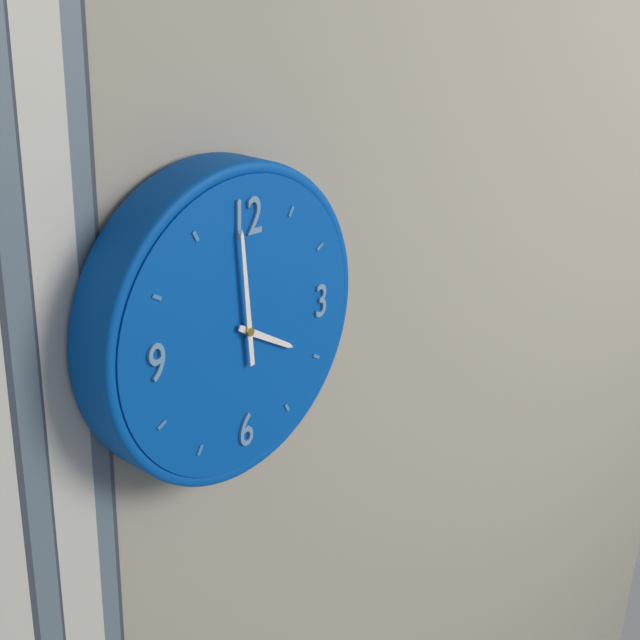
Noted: **3:59**
